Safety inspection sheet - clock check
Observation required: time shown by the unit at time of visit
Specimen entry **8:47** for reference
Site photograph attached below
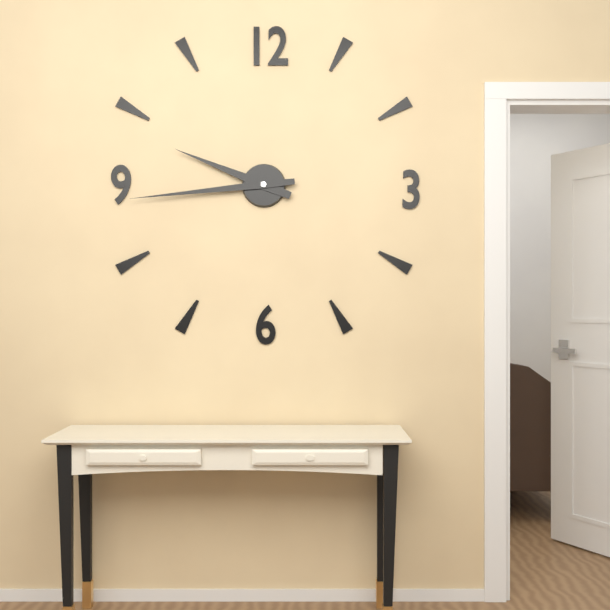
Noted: **9:44**
